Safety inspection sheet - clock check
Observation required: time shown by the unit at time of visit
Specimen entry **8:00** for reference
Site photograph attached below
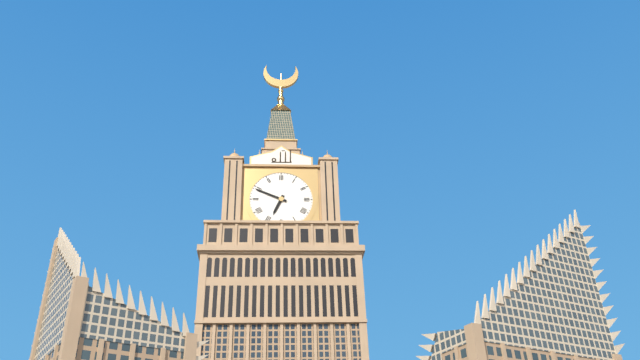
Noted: **6:49**
